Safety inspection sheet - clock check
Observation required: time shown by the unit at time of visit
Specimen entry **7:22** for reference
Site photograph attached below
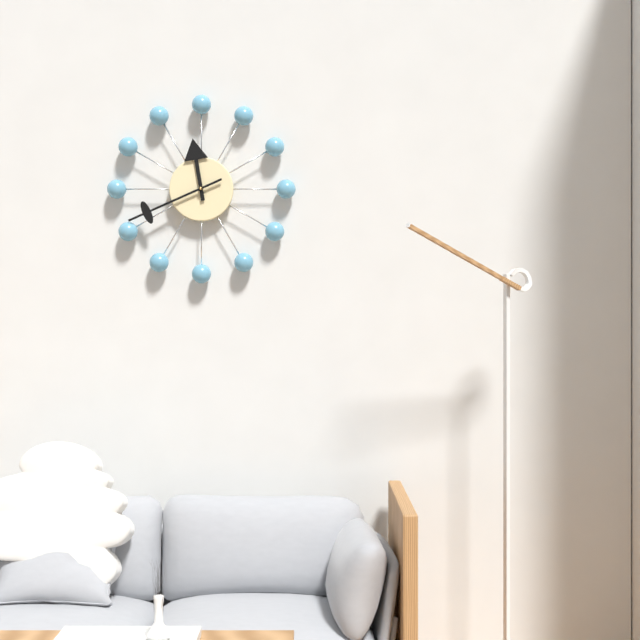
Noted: **11:41**
